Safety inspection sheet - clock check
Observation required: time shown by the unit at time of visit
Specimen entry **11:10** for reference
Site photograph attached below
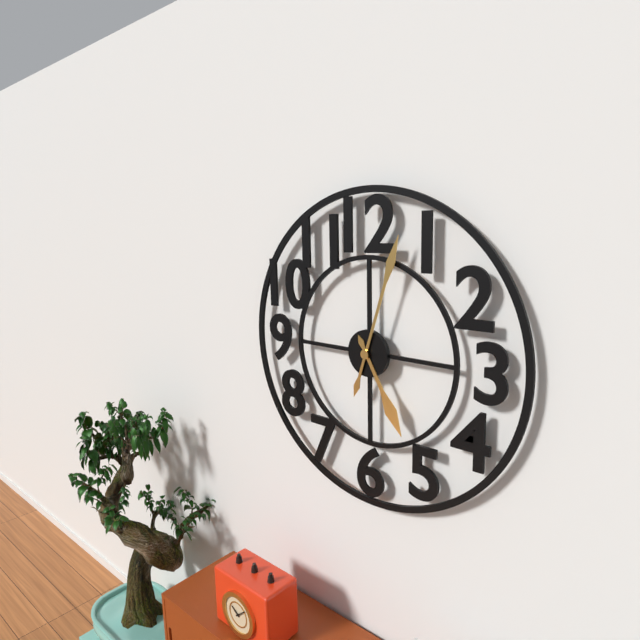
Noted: **5:03**
